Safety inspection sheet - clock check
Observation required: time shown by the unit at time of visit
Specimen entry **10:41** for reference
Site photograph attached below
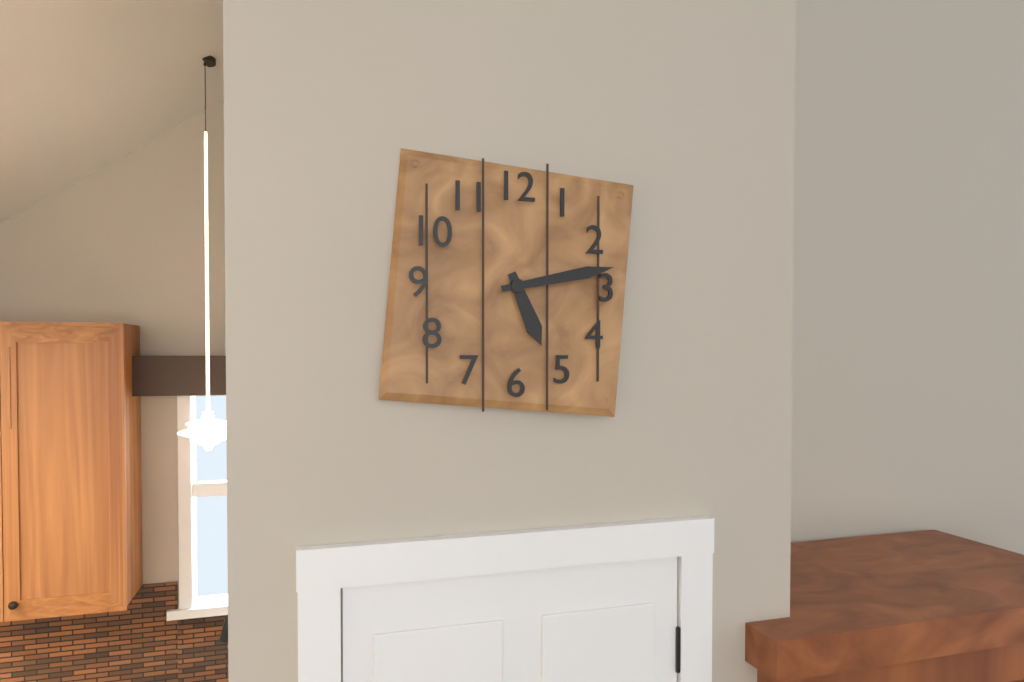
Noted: **5:13**
